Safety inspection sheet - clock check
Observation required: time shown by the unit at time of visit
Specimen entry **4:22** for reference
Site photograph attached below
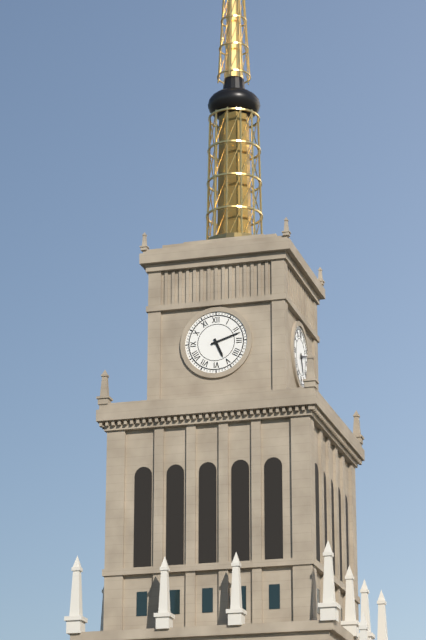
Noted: **5:12**
